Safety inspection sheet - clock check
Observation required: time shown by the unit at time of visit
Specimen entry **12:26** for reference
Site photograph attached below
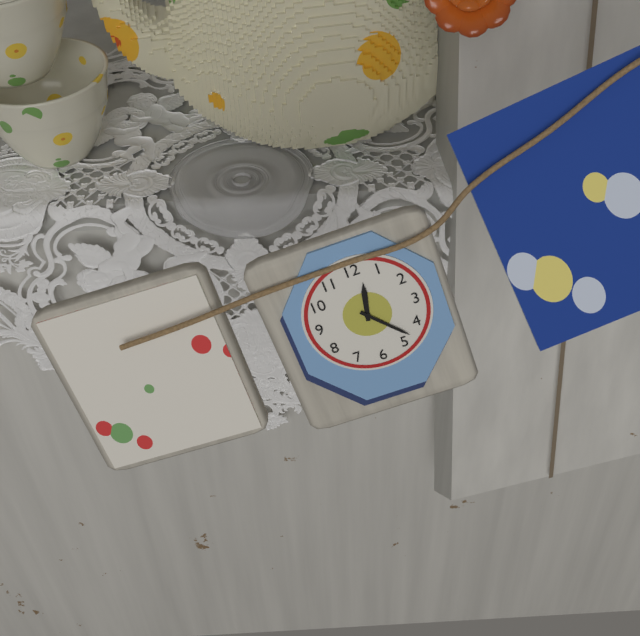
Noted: **12:23**
